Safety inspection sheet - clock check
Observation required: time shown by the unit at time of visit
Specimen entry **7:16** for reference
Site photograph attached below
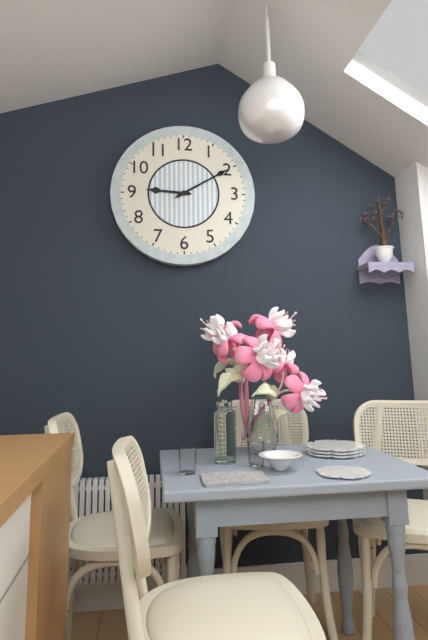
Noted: **9:10**
